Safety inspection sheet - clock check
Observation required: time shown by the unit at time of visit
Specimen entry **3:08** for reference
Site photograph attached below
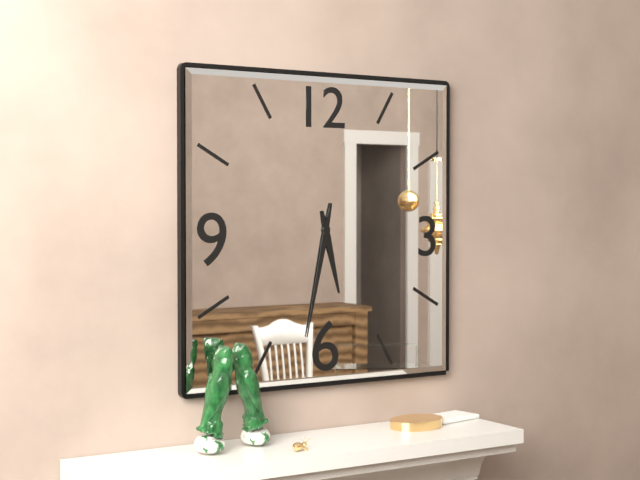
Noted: **5:32**
